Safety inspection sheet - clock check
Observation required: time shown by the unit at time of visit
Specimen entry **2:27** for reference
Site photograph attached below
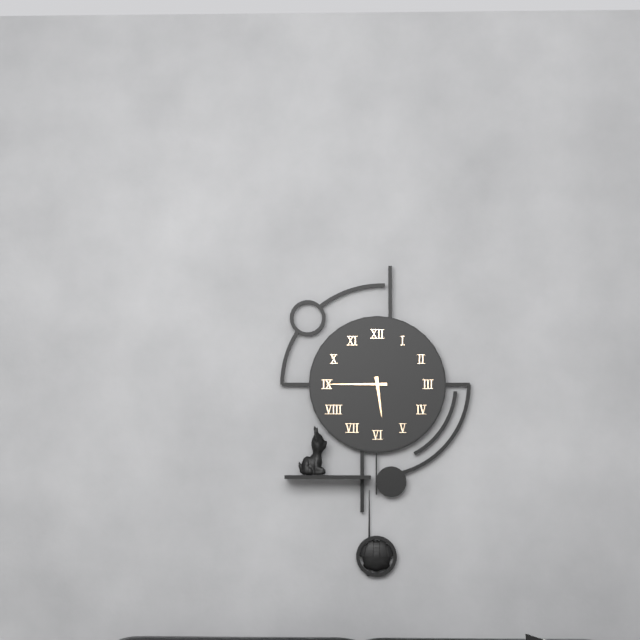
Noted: **5:45**
